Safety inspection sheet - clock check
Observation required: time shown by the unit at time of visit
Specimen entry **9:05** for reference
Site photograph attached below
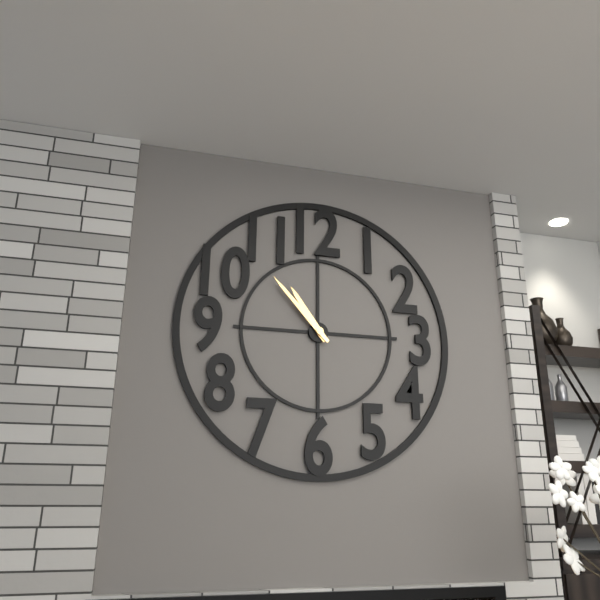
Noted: **10:53**
